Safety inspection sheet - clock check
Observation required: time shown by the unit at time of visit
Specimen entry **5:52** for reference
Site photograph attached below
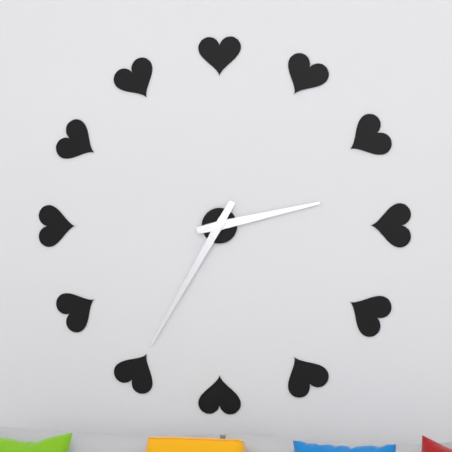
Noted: **2:35**
